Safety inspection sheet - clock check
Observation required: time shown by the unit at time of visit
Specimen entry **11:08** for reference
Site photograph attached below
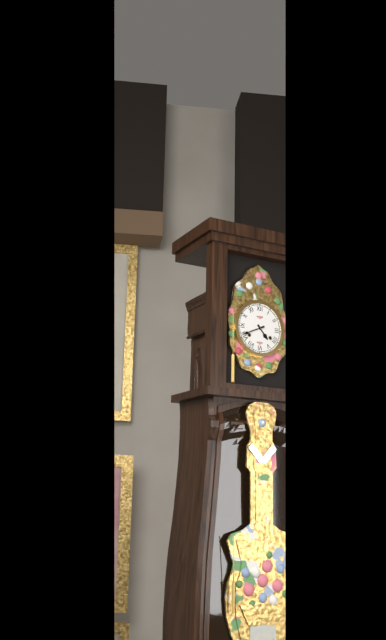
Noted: **4:41**
